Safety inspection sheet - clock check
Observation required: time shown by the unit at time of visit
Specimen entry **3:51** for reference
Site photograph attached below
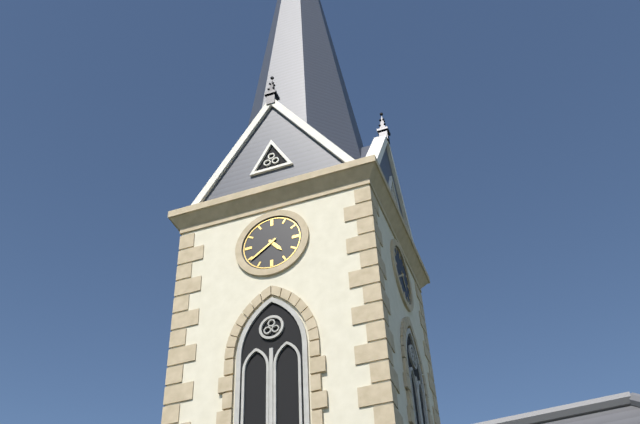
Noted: **4:39**
